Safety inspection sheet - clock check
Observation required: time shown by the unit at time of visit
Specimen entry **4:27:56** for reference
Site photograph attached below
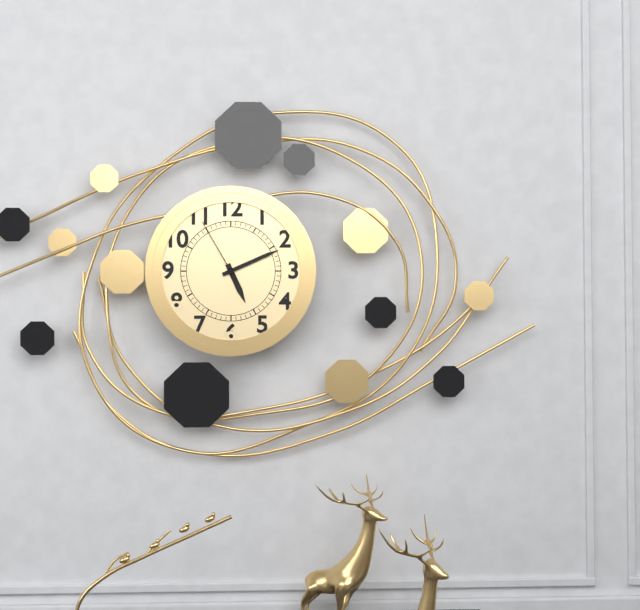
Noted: **5:11:55**
